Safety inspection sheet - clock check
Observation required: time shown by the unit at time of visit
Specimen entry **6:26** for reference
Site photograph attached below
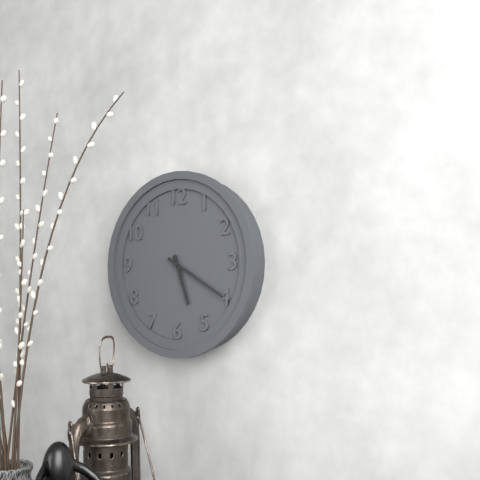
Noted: **5:20**
